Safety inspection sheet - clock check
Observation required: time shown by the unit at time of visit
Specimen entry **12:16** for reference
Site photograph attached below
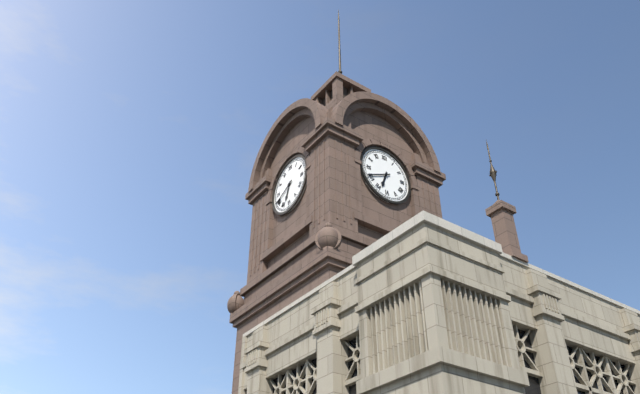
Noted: **6:41**
